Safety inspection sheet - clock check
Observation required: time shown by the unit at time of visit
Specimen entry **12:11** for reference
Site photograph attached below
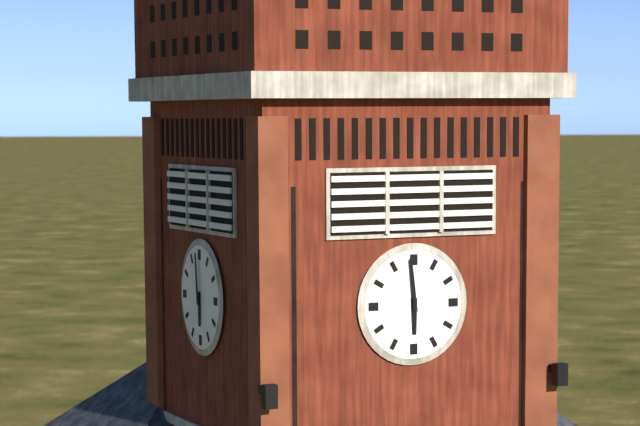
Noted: **5:59**
